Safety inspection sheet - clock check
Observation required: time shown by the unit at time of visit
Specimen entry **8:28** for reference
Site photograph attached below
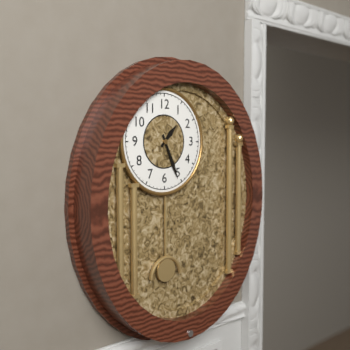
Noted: **1:26**
